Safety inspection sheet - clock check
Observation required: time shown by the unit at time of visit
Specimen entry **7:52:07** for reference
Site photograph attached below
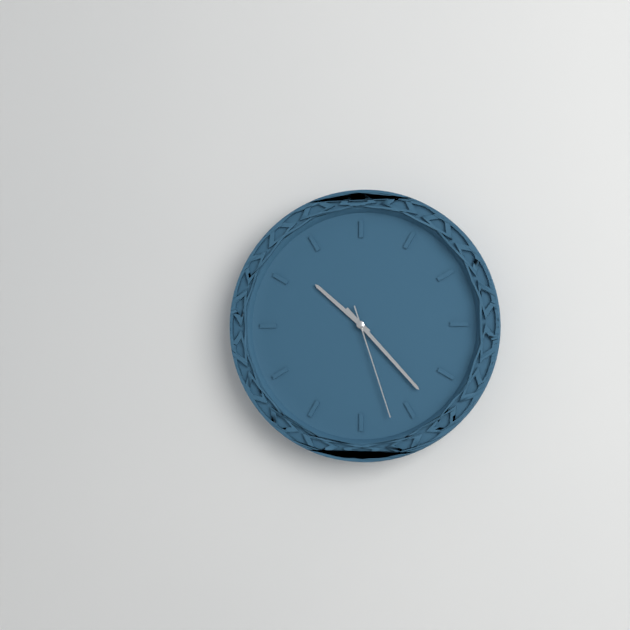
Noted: **10:23:27**
